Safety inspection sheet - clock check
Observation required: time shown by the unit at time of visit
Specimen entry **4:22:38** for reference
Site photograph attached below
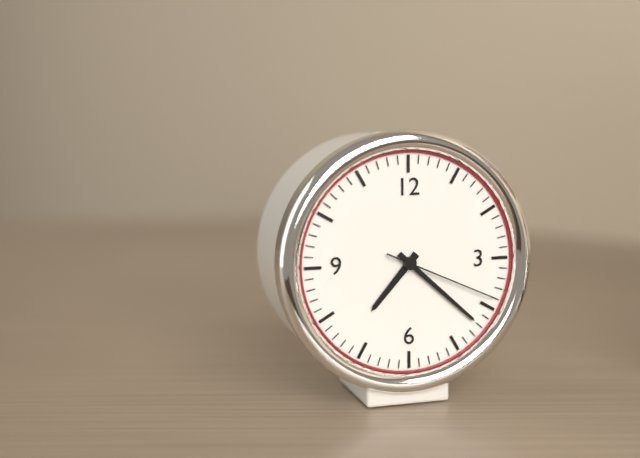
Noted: **7:22:19**
